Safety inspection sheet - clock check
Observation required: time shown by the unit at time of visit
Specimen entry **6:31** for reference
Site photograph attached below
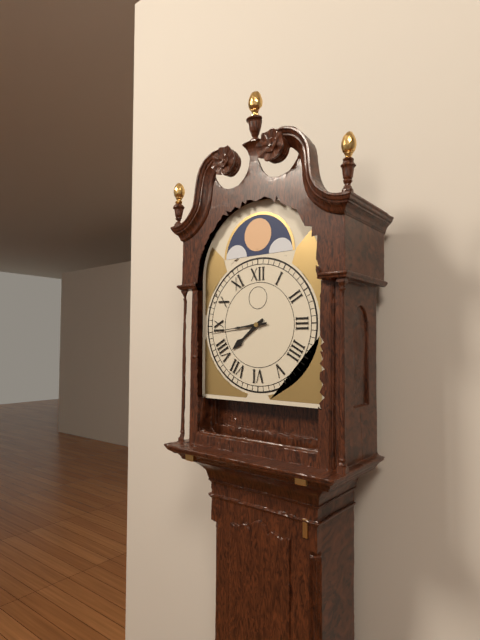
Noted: **7:44**
